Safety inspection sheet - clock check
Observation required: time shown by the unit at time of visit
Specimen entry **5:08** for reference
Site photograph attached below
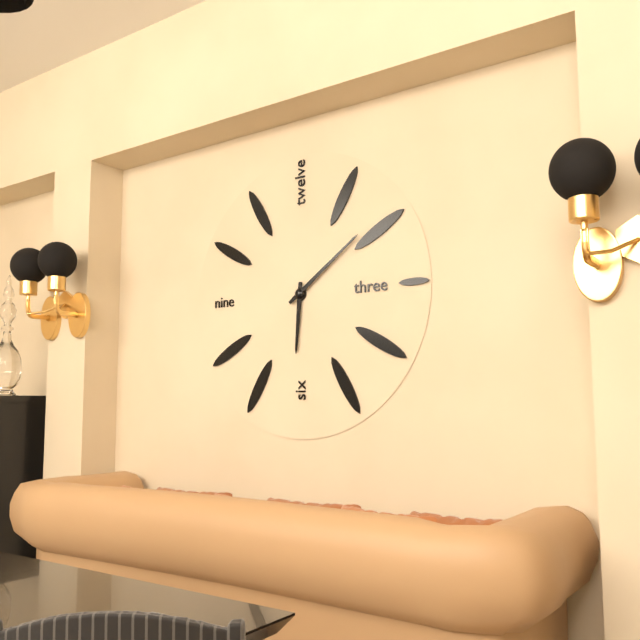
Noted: **6:09**
